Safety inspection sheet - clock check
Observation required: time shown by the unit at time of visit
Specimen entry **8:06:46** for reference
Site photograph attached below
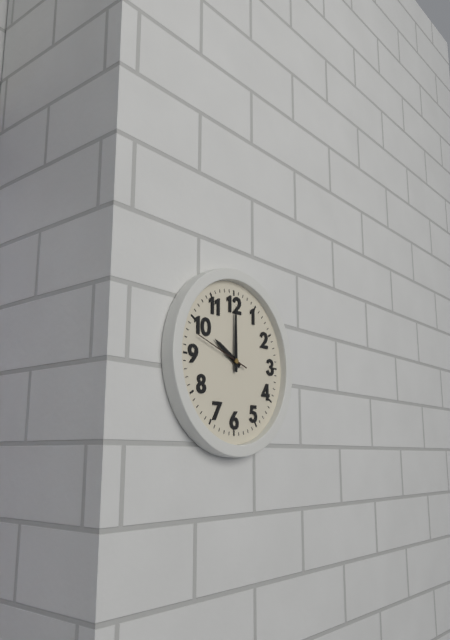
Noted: **10:00:48**
